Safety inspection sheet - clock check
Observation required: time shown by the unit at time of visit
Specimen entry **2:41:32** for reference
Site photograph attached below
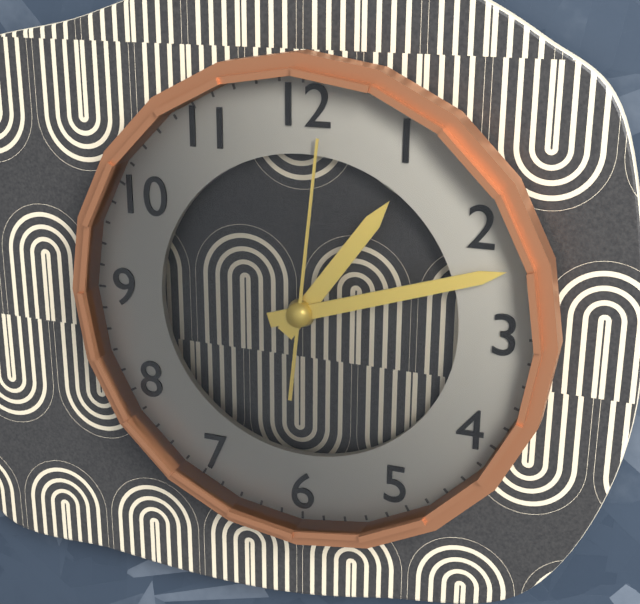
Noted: **1:12:01**
